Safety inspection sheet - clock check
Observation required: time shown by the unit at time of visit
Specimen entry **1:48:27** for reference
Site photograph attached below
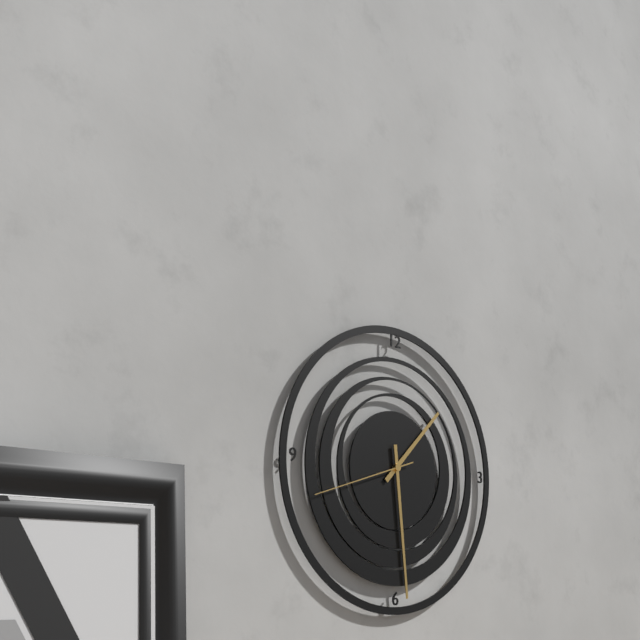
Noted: **1:29:42**
